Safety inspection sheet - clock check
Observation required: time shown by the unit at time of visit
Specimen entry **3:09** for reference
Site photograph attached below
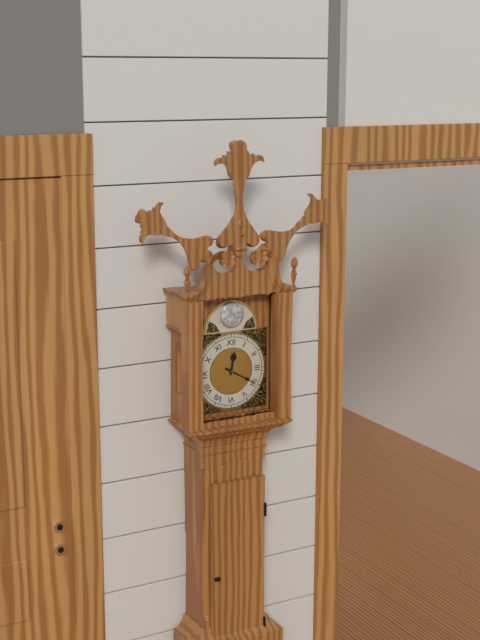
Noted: **12:20**
